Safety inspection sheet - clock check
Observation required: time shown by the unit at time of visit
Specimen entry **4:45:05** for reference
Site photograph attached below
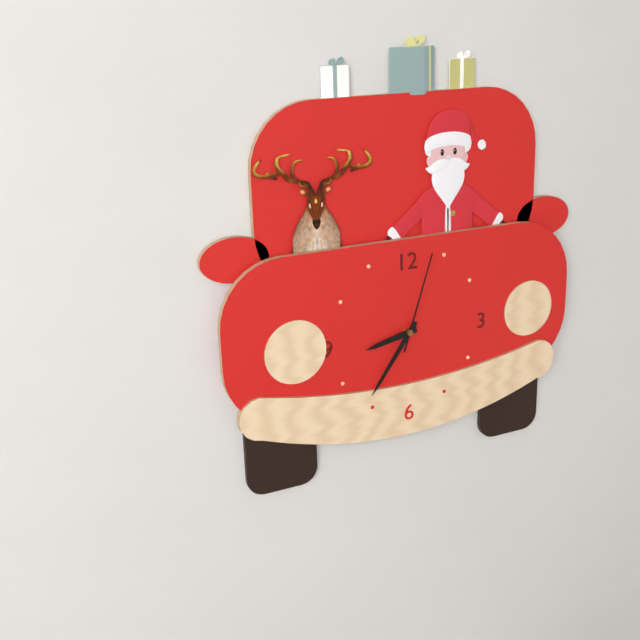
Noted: **8:36:03**
